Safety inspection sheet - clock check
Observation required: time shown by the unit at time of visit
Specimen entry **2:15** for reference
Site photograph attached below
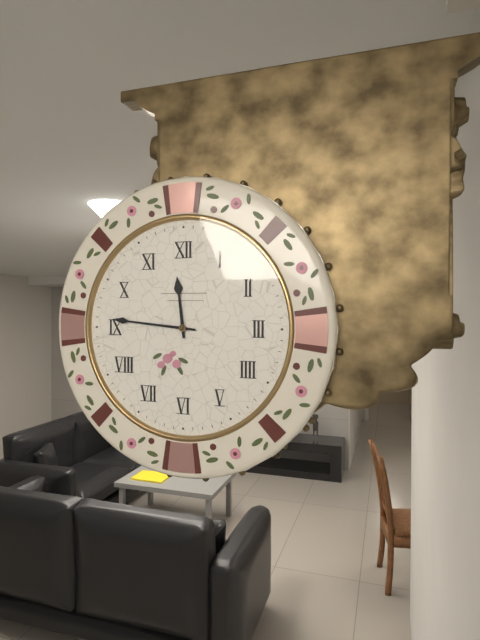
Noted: **11:46**
